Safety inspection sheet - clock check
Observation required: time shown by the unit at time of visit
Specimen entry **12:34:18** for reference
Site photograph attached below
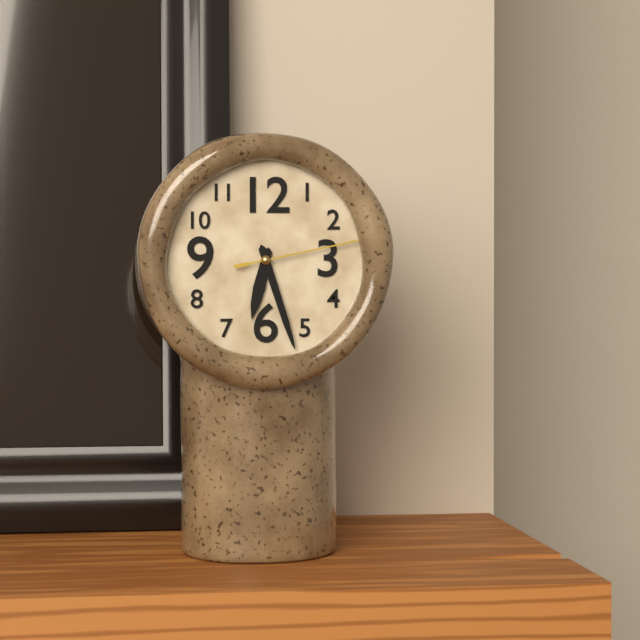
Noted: **6:27:13**
